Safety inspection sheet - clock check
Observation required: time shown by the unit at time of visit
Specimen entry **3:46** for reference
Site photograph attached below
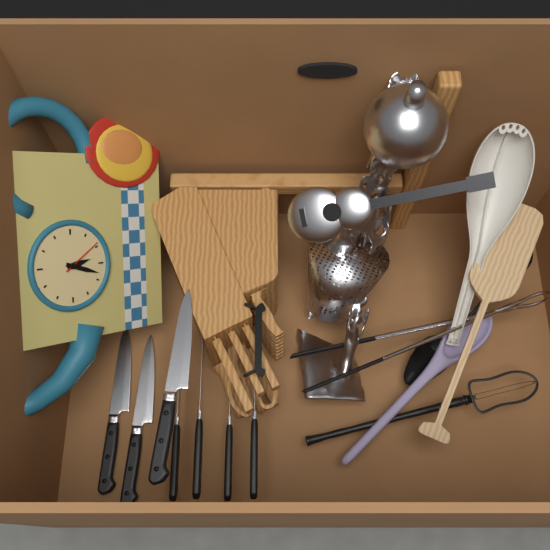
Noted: **5:33**
